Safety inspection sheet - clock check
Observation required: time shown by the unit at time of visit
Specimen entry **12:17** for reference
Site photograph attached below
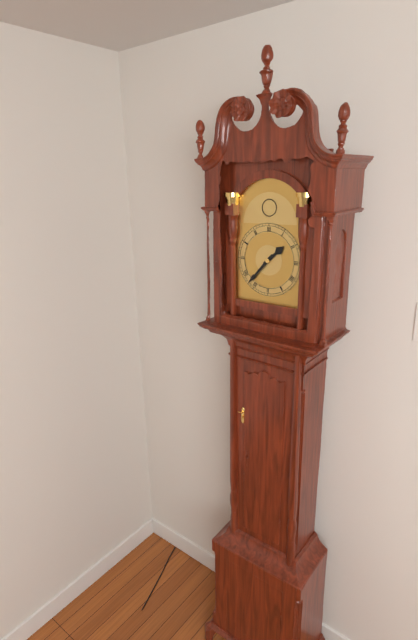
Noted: **1:37**
